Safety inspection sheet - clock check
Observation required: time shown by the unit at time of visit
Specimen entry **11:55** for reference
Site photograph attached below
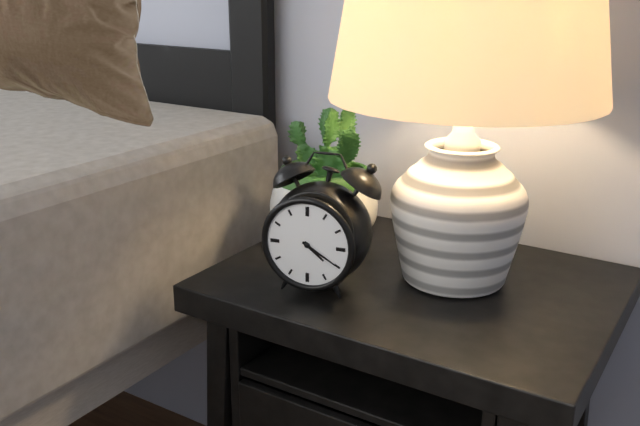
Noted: **4:20**
